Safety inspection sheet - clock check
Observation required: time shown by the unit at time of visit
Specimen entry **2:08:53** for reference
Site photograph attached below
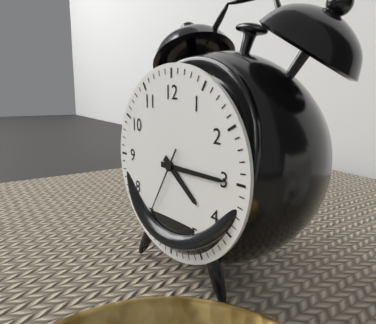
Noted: **4:15:35**
